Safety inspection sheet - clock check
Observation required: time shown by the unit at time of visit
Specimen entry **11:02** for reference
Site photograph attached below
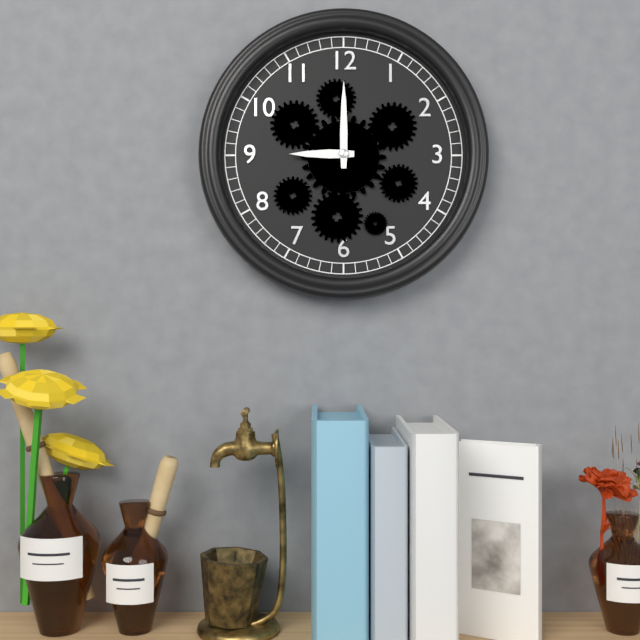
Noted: **9:00**
